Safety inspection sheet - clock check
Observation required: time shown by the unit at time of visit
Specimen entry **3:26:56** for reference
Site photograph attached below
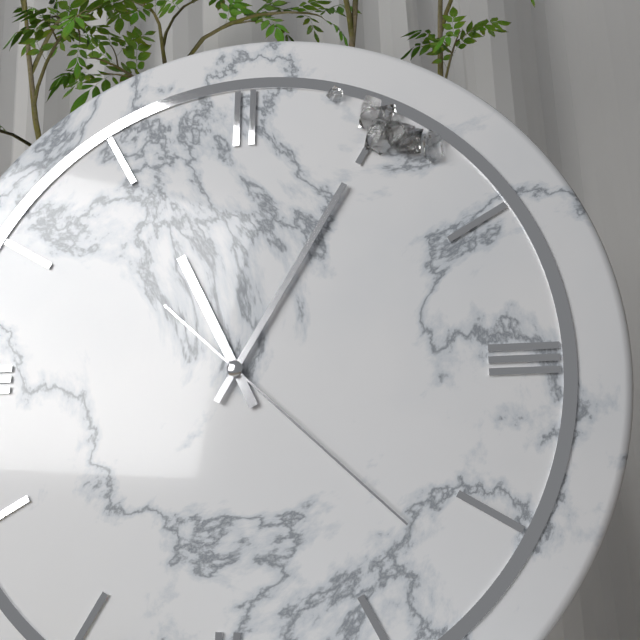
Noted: **11:05:22**
